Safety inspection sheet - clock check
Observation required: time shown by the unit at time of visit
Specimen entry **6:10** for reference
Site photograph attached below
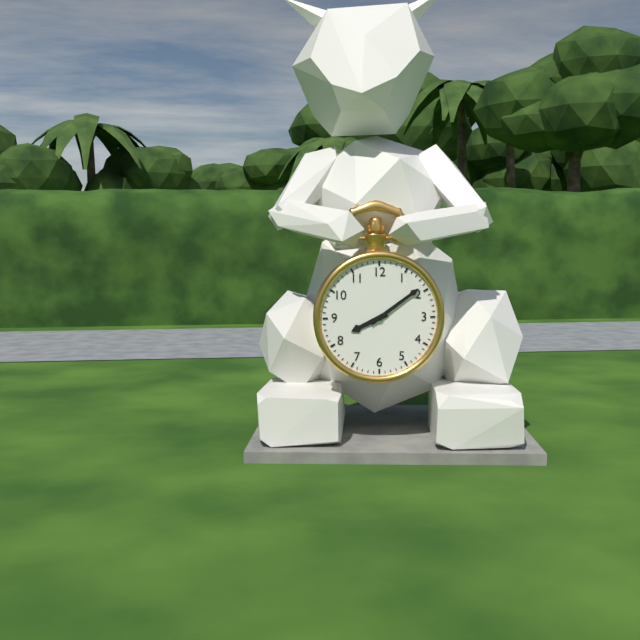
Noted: **8:09**
